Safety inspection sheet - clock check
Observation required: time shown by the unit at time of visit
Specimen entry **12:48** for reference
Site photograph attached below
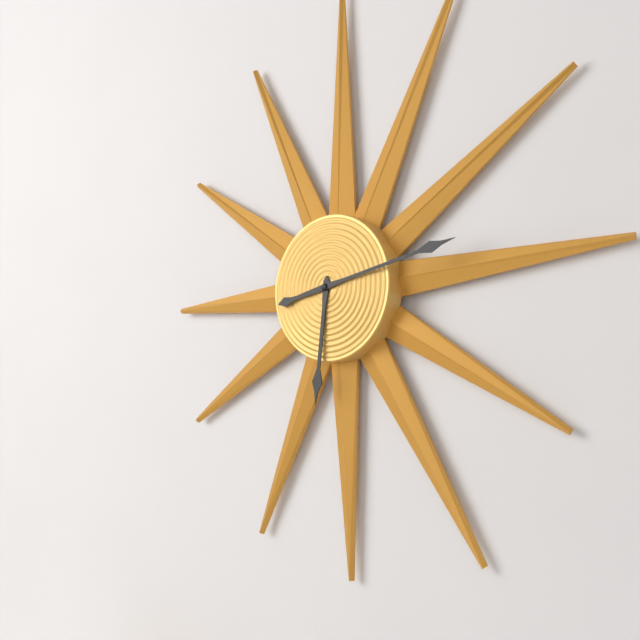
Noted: **6:13**
